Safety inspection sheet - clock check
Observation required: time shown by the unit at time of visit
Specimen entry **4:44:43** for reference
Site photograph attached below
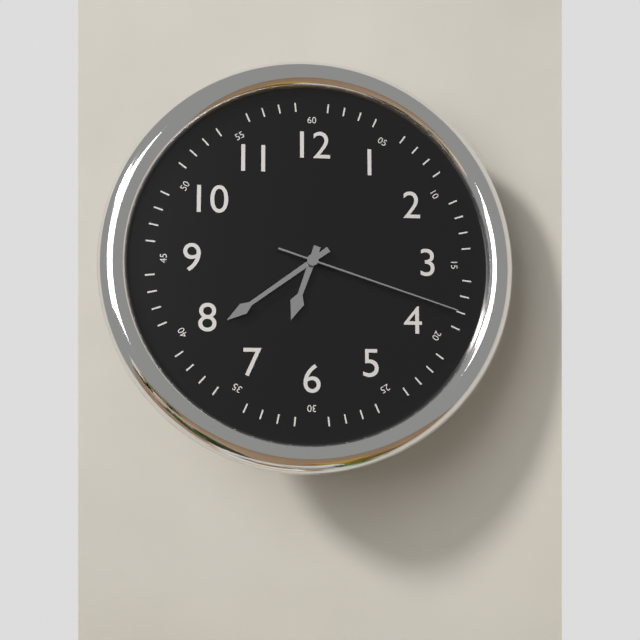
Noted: **6:39:18**
